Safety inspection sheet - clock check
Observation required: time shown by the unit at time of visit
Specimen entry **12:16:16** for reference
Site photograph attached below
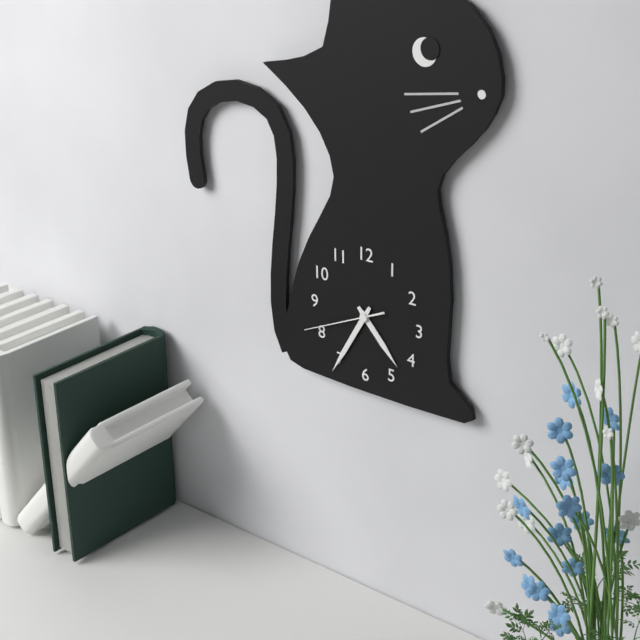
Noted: **4:35:41**
